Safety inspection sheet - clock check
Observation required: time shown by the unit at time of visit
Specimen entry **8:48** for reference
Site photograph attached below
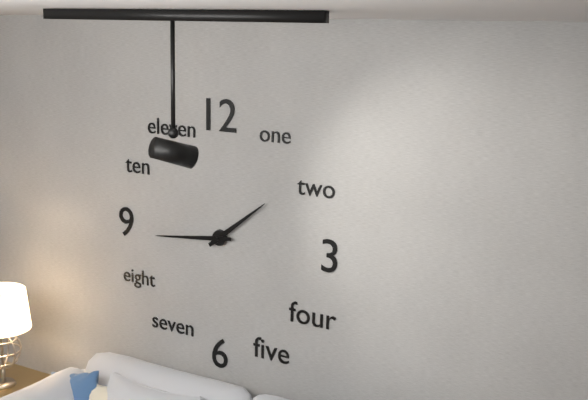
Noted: **1:44**
